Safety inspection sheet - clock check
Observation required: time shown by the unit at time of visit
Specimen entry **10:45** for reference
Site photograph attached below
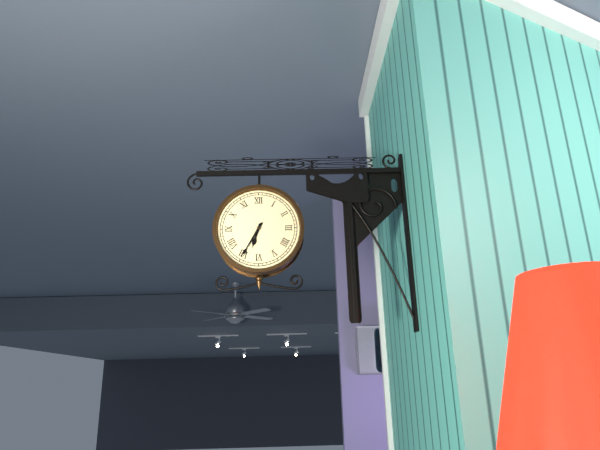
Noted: **6:35**
